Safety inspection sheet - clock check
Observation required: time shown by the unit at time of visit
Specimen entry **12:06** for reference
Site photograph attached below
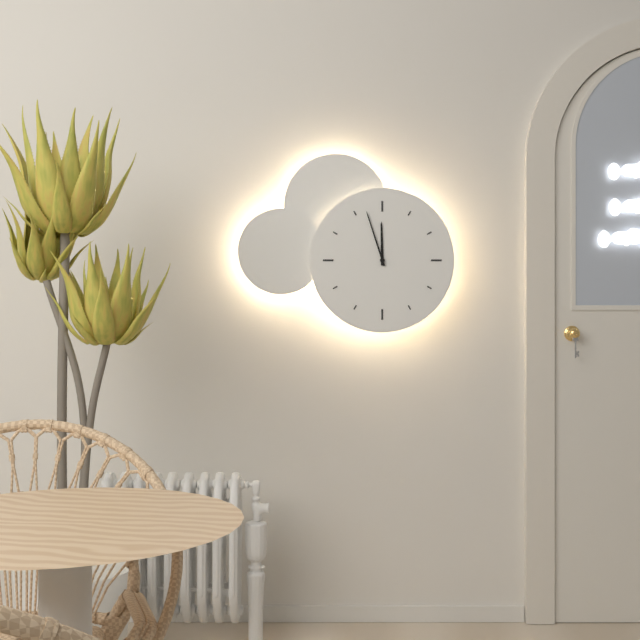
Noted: **11:57**
